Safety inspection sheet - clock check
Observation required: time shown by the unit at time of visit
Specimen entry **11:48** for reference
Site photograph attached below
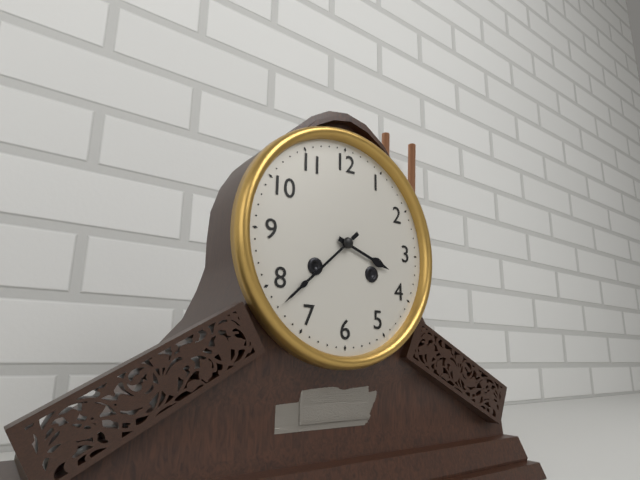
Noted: **3:38**
